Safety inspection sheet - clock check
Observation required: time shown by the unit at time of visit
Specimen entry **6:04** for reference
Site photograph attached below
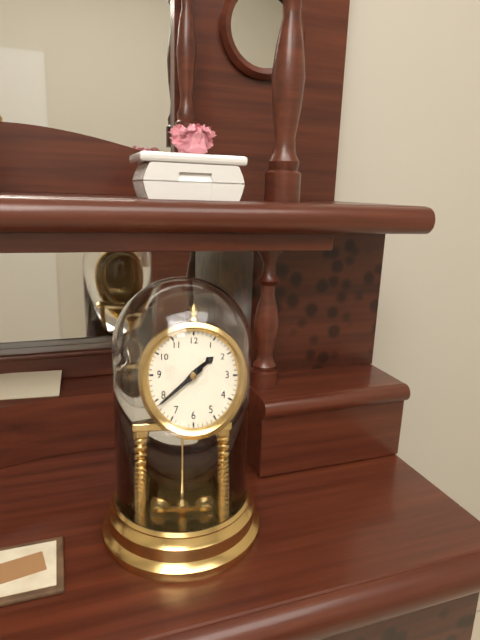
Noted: **1:39**
